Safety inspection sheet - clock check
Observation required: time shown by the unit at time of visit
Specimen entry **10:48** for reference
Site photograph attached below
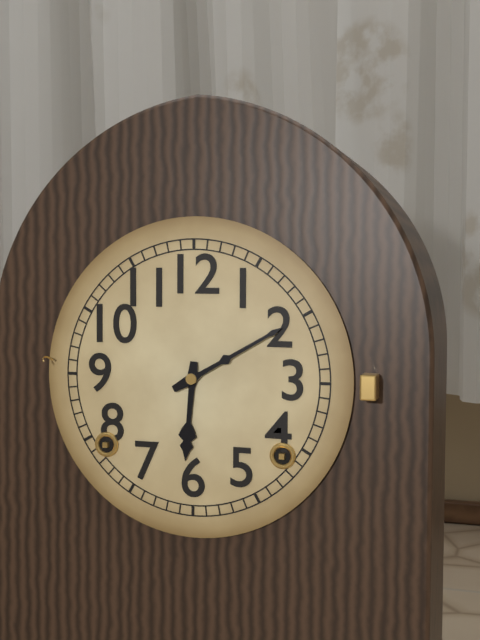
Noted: **6:10**
